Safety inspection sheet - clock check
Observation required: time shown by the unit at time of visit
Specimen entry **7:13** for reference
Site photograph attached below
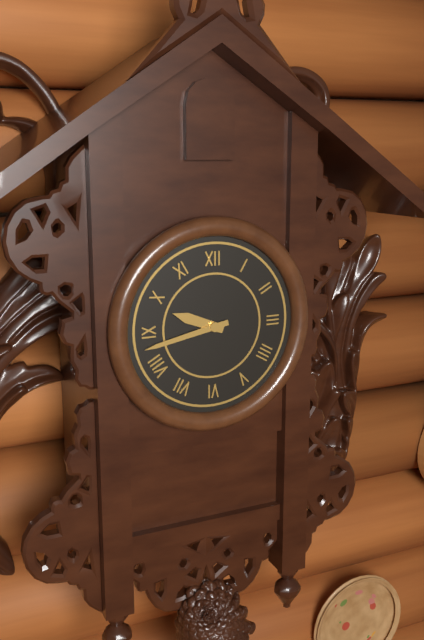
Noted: **9:43**
